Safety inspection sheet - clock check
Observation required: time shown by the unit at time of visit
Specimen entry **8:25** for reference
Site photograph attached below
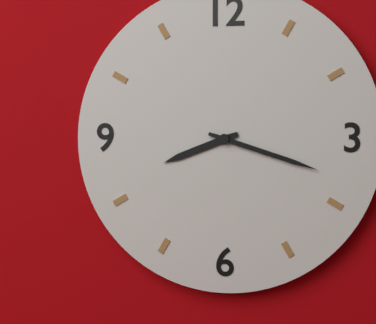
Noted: **8:18**
